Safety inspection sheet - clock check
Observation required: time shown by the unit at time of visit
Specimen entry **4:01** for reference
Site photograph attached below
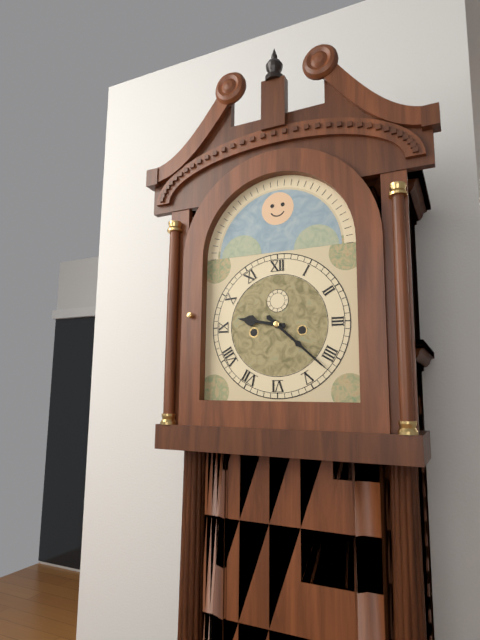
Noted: **9:22**
